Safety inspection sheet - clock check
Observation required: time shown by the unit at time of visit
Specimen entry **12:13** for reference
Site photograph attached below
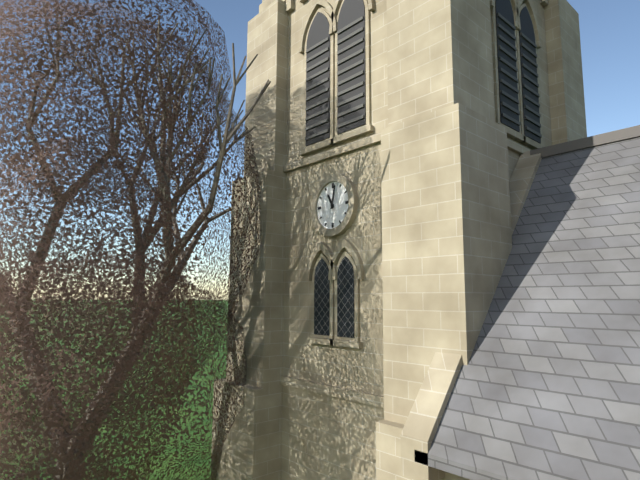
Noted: **11:02**
